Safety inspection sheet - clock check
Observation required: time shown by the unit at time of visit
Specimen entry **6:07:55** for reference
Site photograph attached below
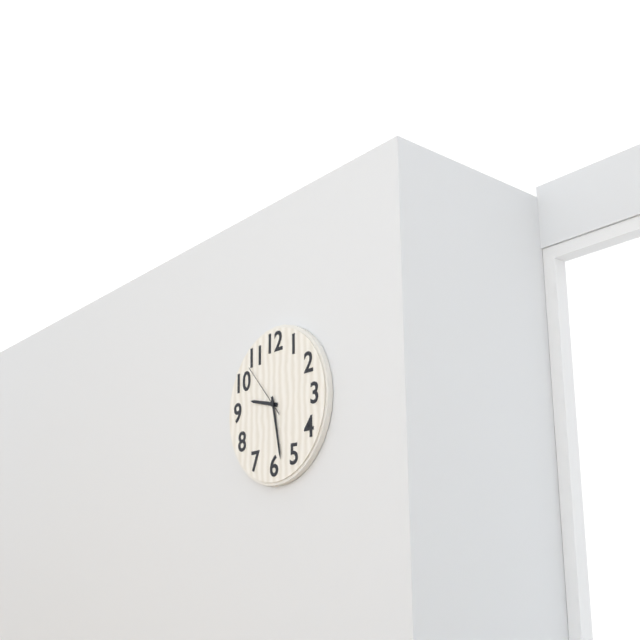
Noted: **9:28:53**
